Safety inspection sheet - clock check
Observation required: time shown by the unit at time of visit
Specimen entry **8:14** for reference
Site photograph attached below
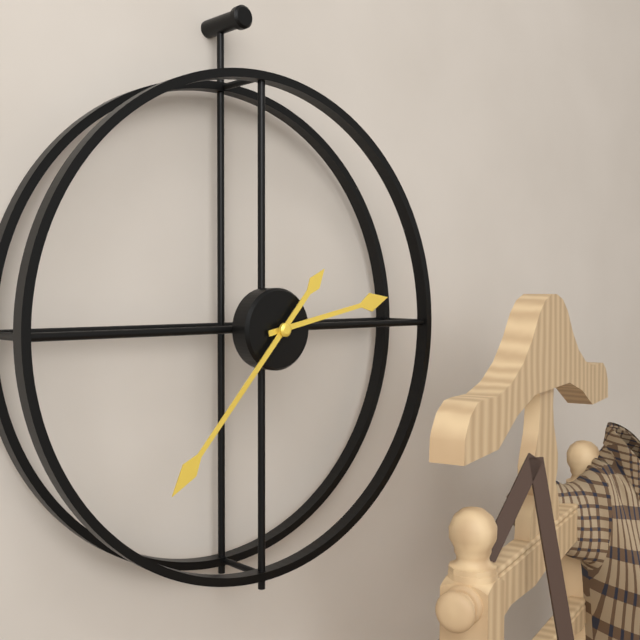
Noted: **2:37**
